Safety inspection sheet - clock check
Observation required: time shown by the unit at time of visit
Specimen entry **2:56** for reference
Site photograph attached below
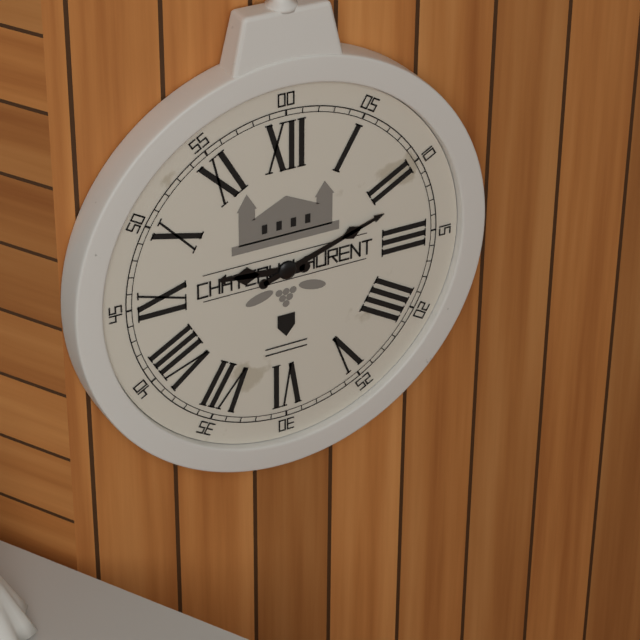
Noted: **9:12**
